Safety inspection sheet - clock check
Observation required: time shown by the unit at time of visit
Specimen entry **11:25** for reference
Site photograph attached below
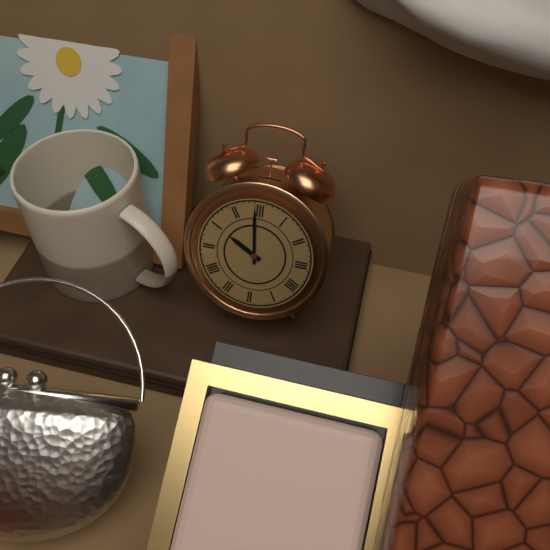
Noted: **9:59**
